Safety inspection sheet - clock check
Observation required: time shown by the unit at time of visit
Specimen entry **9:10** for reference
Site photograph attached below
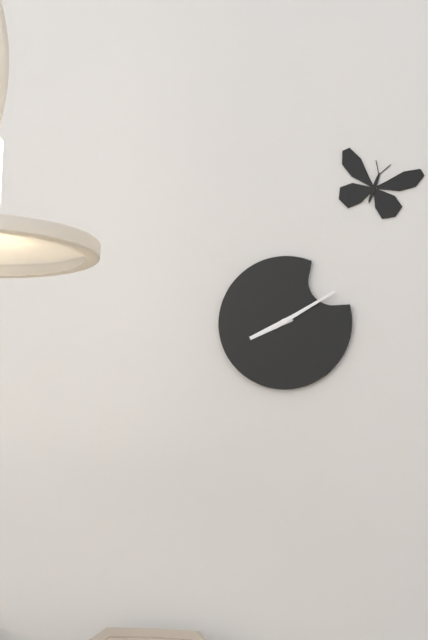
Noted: **8:10**
